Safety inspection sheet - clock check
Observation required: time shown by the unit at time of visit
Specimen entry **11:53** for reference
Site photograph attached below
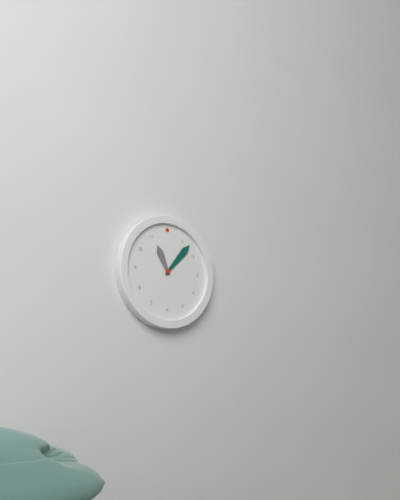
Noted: **11:07**
